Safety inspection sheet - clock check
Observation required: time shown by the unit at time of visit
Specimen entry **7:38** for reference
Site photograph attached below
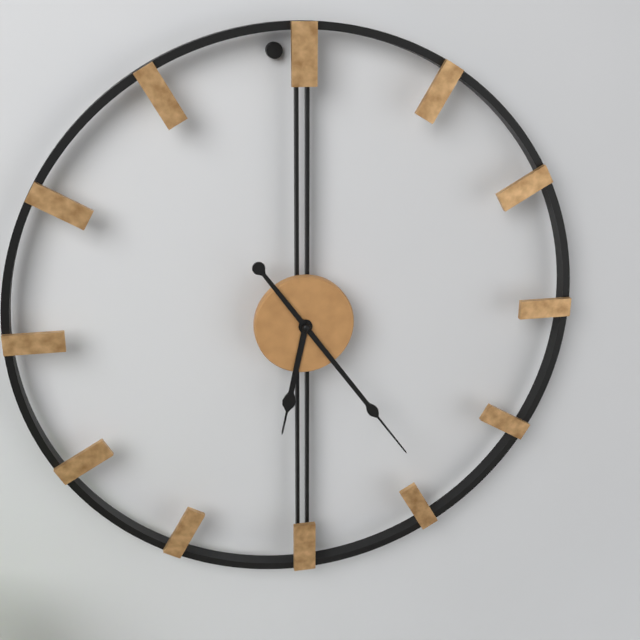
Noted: **6:24**
